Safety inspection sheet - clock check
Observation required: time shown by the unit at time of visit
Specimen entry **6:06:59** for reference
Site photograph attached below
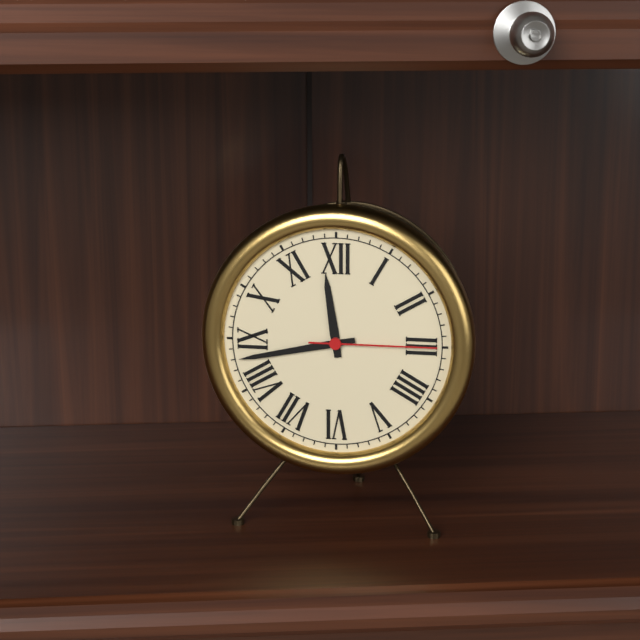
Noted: **11:43:15**
